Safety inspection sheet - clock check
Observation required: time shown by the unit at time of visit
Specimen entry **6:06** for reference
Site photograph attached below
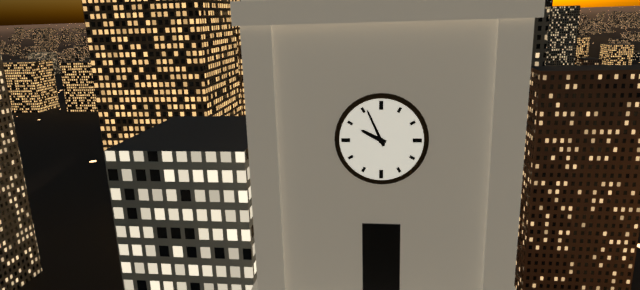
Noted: **9:56**
